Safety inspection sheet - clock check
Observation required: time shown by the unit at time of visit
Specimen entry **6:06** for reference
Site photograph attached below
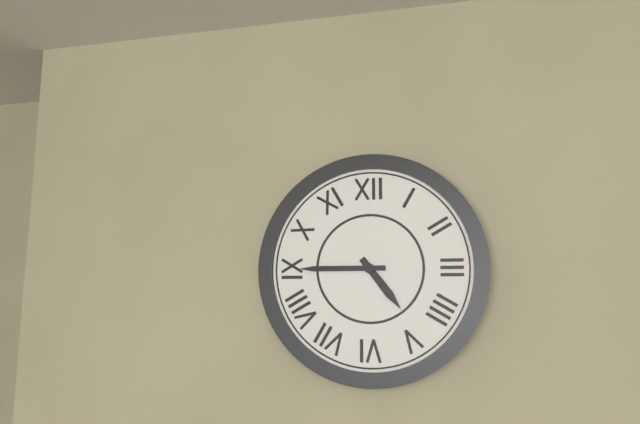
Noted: **4:45**
